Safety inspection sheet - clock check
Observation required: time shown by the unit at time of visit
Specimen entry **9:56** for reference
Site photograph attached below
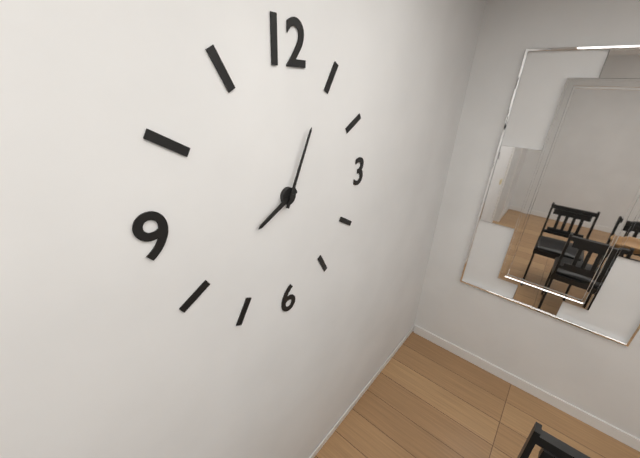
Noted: **8:04**
